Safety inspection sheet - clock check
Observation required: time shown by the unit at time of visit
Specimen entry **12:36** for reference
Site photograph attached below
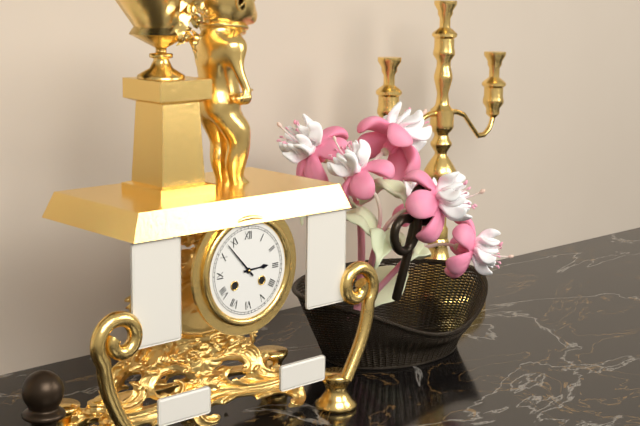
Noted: **2:53**
